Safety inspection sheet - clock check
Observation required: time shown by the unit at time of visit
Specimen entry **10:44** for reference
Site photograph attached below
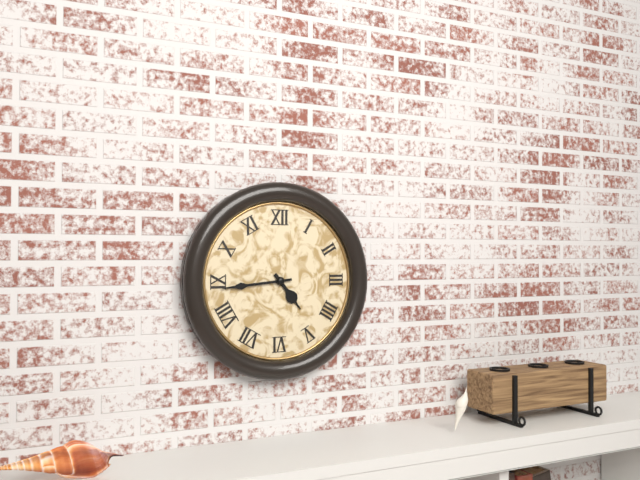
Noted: **4:44**
